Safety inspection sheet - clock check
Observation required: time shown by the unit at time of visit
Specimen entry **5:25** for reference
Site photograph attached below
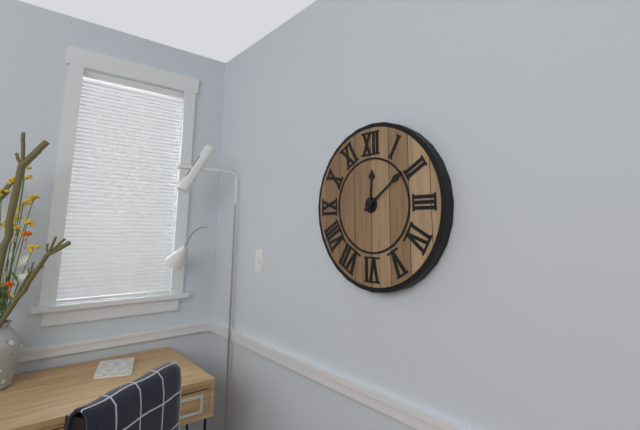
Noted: **12:09**
